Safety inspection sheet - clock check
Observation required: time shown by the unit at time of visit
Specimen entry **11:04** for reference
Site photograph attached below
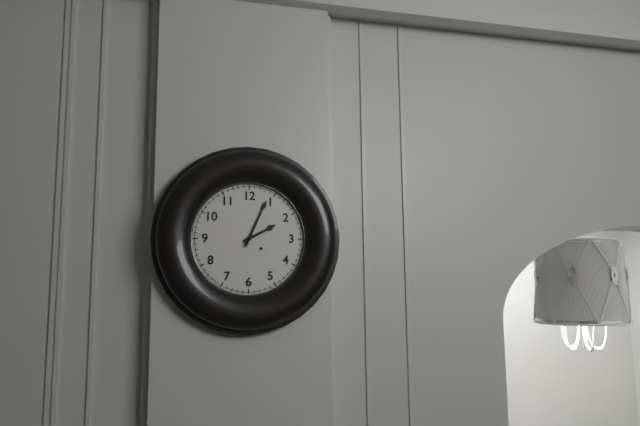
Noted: **2:04**
